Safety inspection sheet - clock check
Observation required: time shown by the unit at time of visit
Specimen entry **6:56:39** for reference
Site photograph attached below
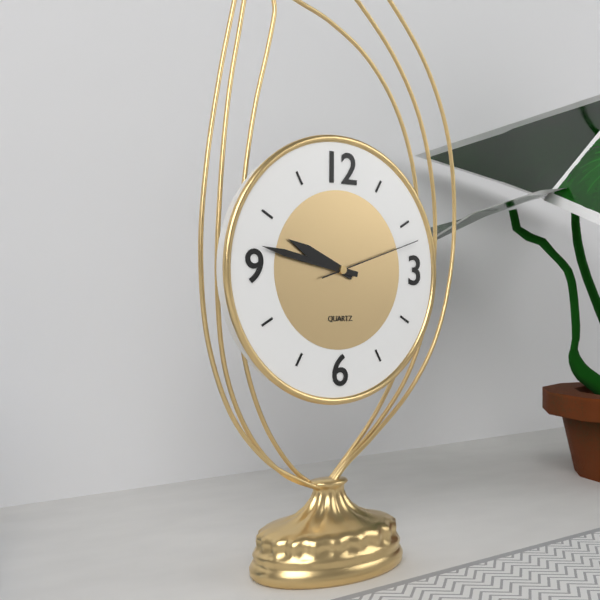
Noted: **9:47:12**
